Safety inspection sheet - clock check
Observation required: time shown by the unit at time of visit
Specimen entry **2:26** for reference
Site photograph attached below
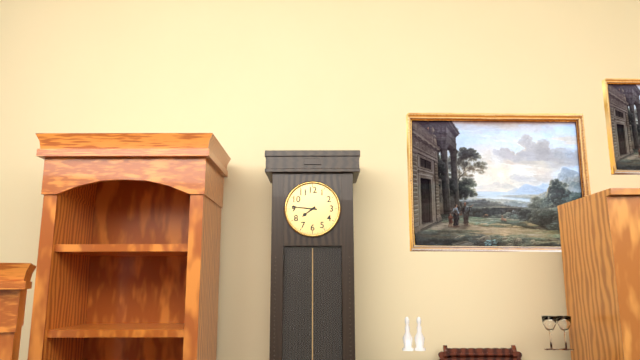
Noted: **7:46**
